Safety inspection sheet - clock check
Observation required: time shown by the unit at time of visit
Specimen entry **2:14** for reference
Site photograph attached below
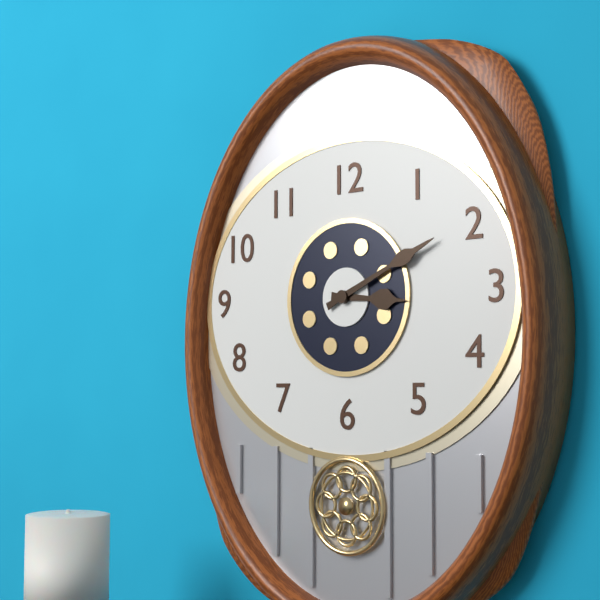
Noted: **3:11**
